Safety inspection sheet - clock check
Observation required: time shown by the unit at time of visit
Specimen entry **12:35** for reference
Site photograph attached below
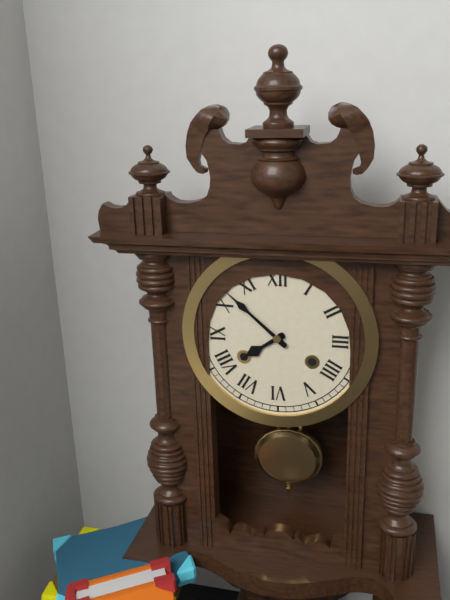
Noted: **7:52**
